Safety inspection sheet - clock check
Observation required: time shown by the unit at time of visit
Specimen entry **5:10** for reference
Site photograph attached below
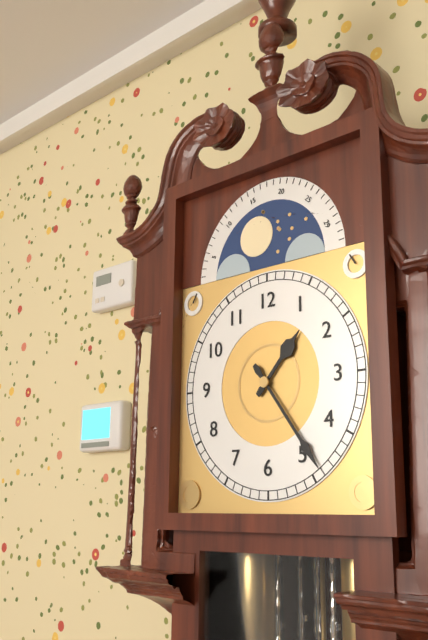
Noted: **1:24**
